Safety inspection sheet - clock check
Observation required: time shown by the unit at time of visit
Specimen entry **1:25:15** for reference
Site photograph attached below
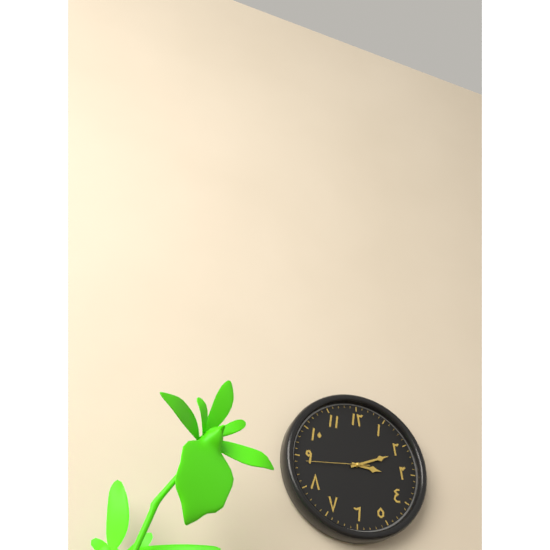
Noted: **3:11:44**
